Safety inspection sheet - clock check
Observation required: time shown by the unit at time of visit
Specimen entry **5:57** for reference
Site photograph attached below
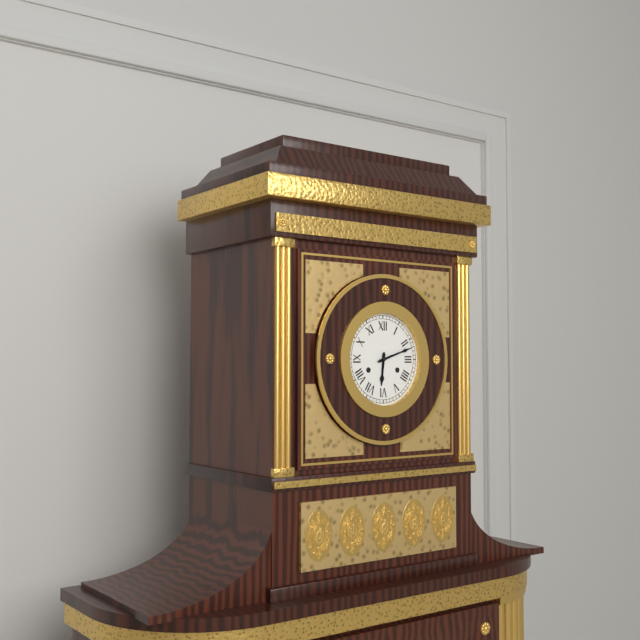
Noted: **6:12**
